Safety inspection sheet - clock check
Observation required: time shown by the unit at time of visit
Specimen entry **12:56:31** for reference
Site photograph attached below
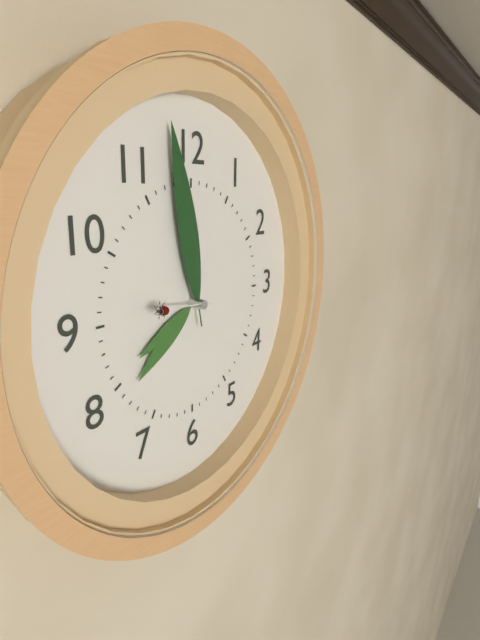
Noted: **7:58:46**
